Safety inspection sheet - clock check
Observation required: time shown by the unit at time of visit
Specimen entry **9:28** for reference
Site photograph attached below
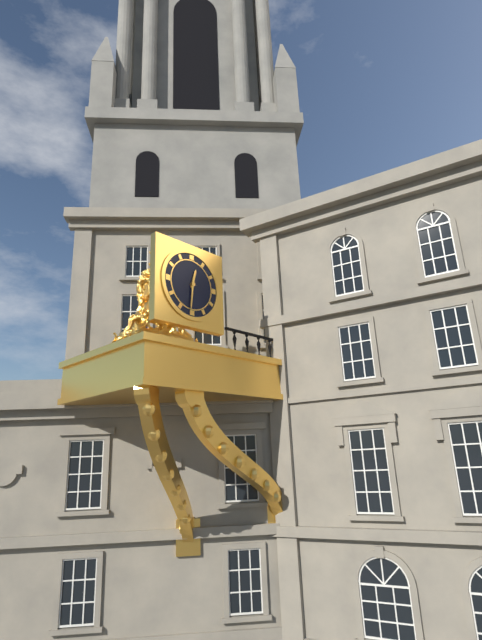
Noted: **12:31**
